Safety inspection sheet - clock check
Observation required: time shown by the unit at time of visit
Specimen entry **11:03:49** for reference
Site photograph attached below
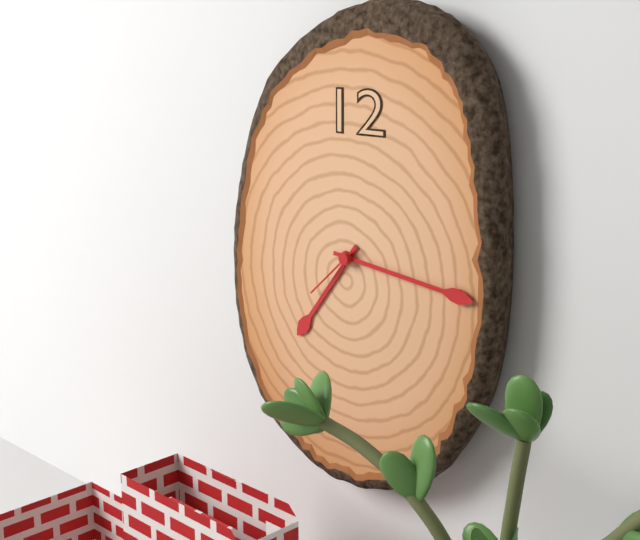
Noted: **7:16:38**
